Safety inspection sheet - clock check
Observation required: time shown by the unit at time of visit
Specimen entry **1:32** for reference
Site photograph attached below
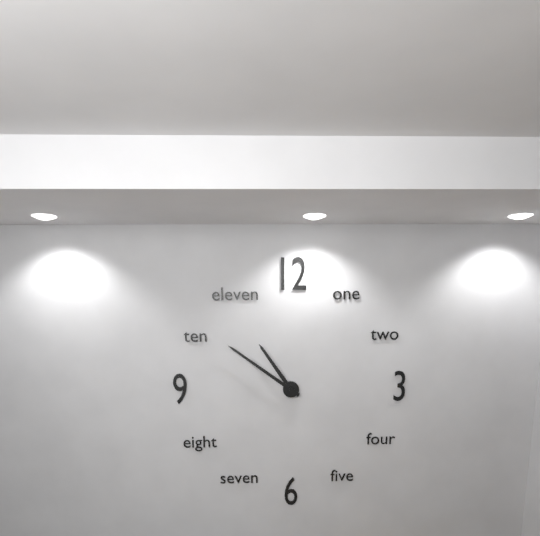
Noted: **10:51**
